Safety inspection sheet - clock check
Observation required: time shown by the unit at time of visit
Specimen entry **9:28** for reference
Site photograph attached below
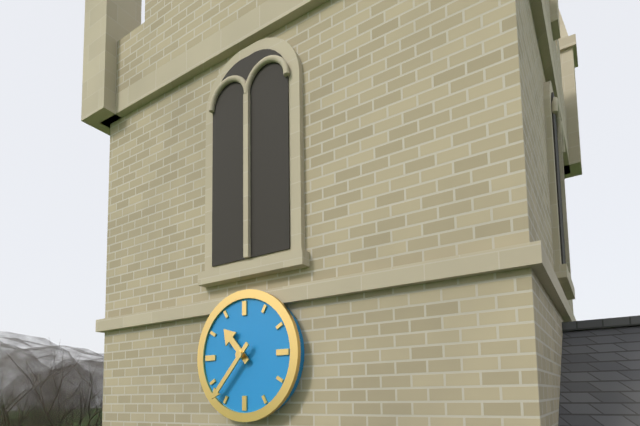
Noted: **10:37**
